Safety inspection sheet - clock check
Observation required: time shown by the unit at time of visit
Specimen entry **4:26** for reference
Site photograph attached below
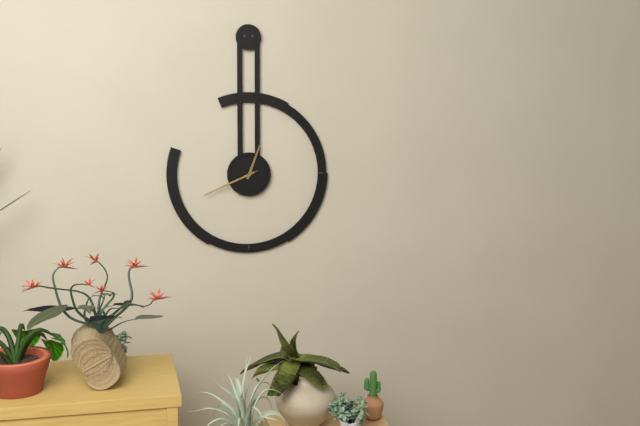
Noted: **12:41**
